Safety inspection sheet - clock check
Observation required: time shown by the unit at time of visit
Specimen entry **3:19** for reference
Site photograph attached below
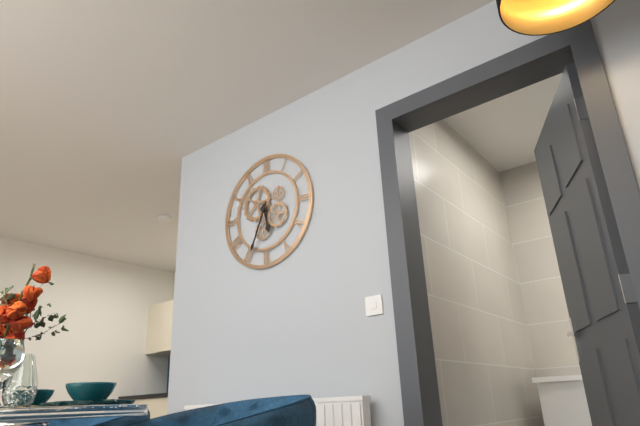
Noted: **5:34**
